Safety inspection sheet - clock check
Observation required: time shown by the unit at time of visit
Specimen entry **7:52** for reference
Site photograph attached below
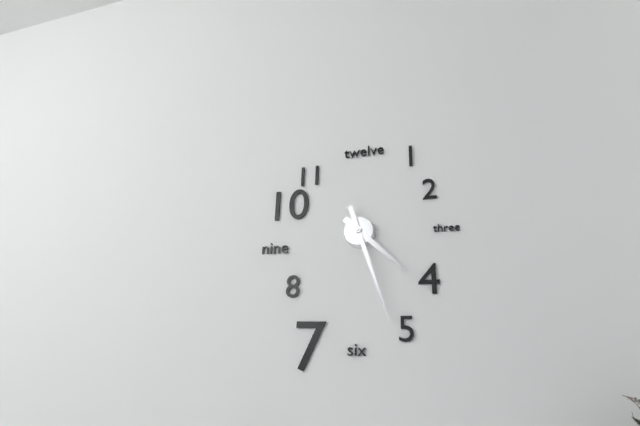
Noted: **4:27**
